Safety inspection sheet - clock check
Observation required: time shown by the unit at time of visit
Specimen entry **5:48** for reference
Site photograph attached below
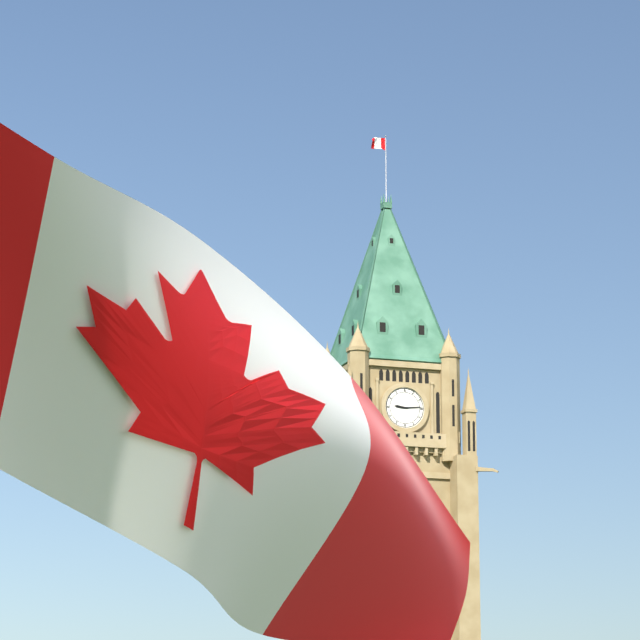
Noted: **9:14**
